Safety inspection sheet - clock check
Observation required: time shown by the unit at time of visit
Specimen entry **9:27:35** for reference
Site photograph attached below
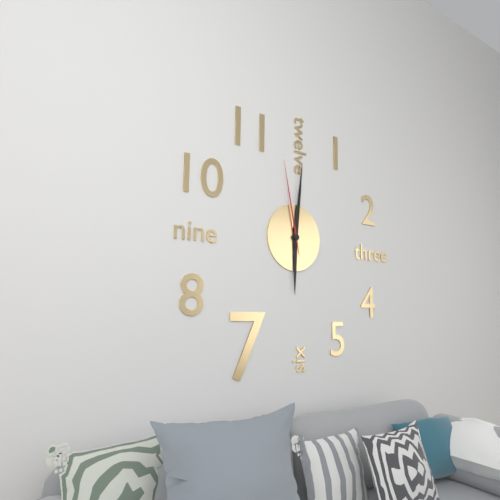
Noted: **6:01:58**
